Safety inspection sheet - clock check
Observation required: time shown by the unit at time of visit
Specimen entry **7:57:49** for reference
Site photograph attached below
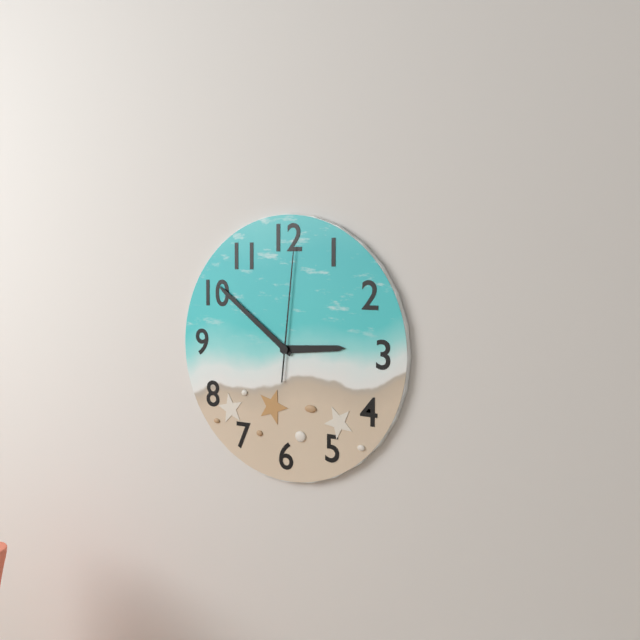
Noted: **2:51:01**
